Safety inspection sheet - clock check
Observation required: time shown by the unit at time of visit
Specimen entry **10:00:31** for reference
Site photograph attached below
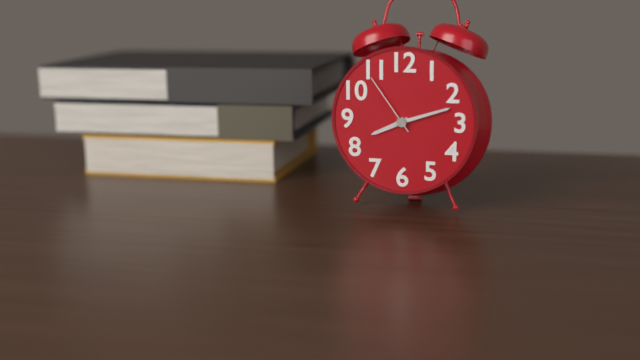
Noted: **8:12:54**
